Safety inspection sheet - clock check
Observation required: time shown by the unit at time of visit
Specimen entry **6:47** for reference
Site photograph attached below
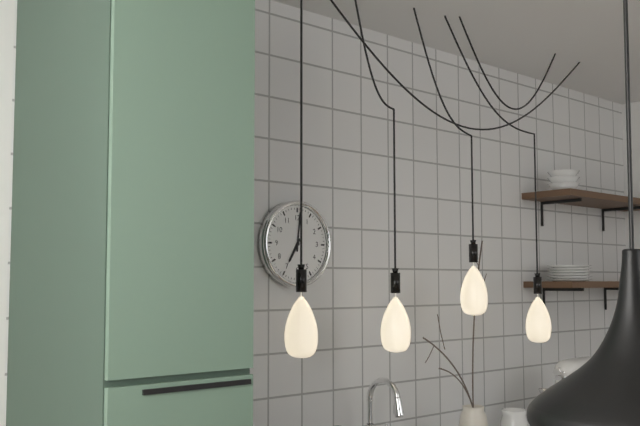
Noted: **7:01**
